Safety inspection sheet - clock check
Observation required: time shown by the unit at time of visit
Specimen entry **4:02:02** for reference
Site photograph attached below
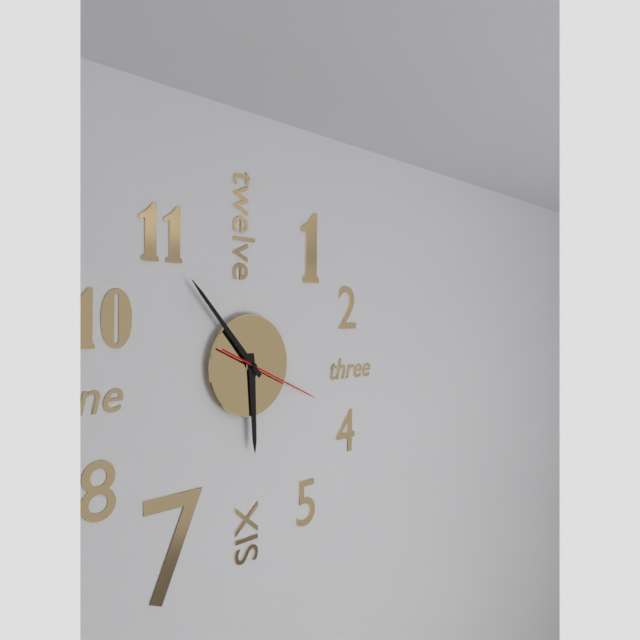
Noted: **5:53:19**
